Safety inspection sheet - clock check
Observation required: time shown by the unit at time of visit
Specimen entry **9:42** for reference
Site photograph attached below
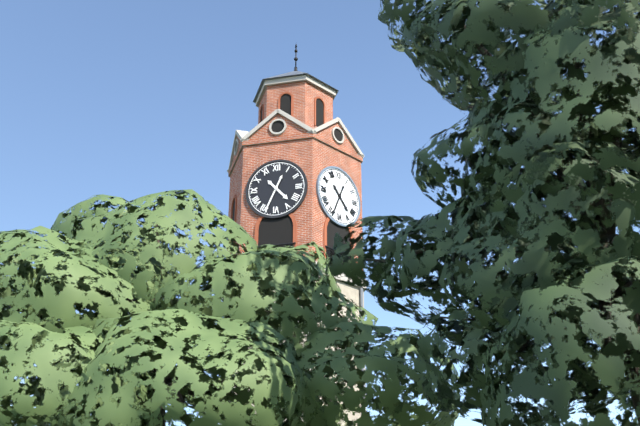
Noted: **4:34**
